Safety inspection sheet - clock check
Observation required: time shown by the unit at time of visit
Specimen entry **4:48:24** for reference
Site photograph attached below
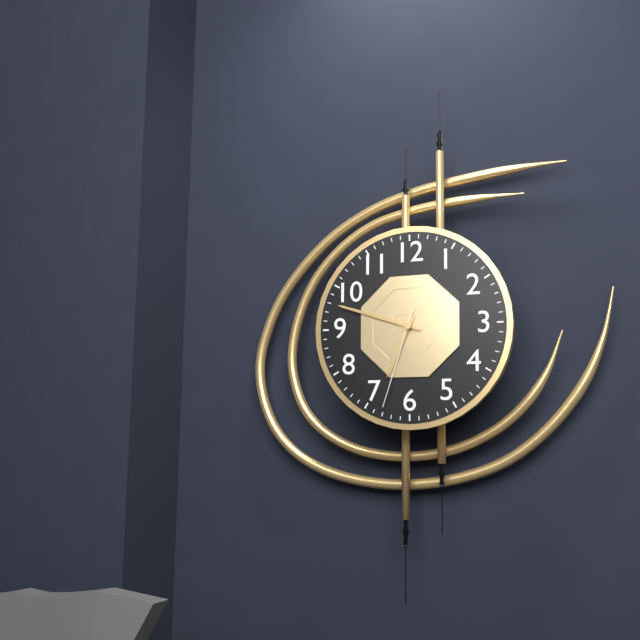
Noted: **6:48:33**
